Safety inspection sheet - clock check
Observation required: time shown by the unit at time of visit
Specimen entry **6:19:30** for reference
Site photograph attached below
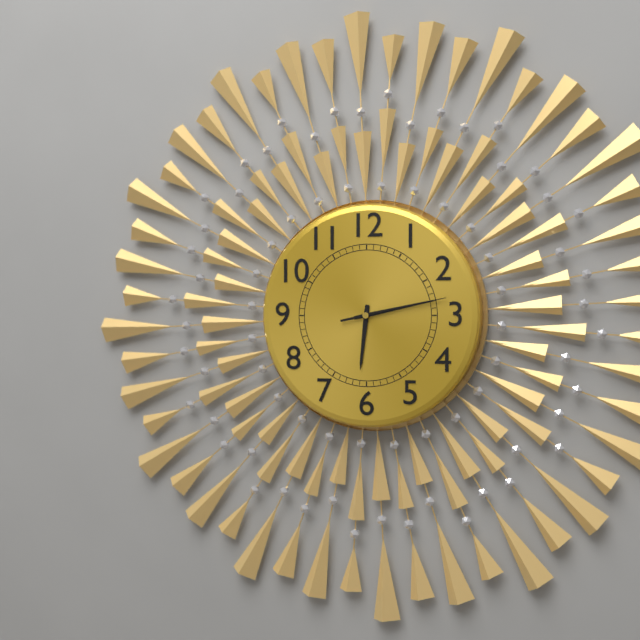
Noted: **6:13:13**
